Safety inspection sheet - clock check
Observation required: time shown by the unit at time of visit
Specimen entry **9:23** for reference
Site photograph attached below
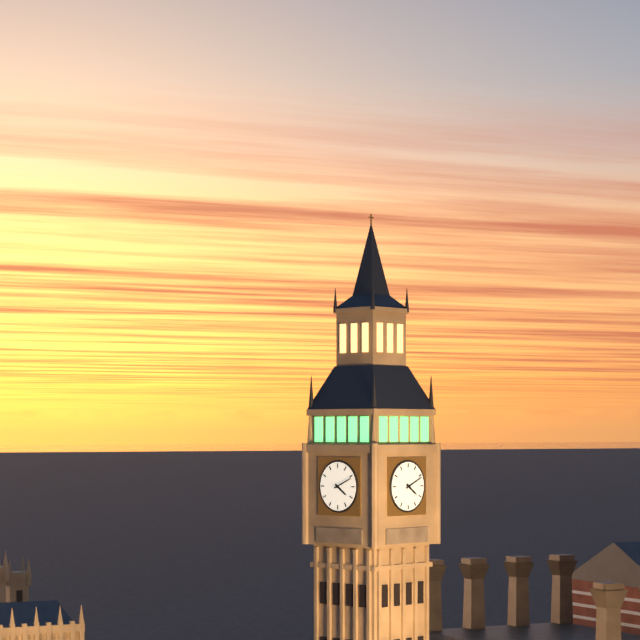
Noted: **4:11**
